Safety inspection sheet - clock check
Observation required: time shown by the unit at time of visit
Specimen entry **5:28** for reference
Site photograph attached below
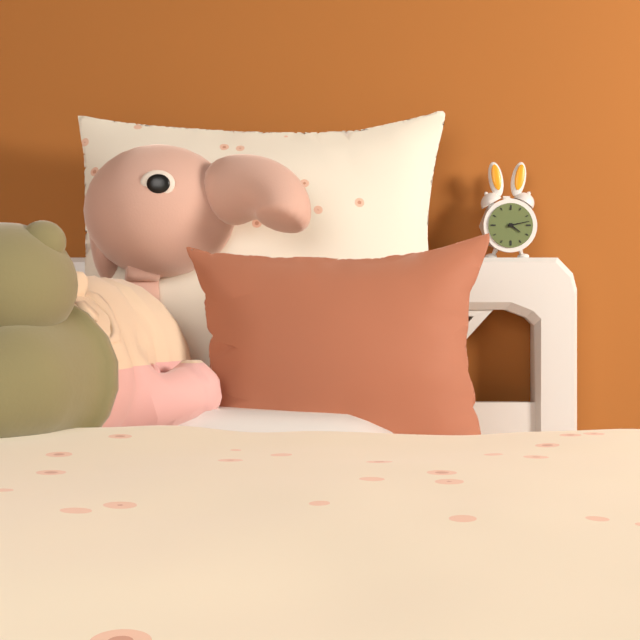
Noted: **4:13**
